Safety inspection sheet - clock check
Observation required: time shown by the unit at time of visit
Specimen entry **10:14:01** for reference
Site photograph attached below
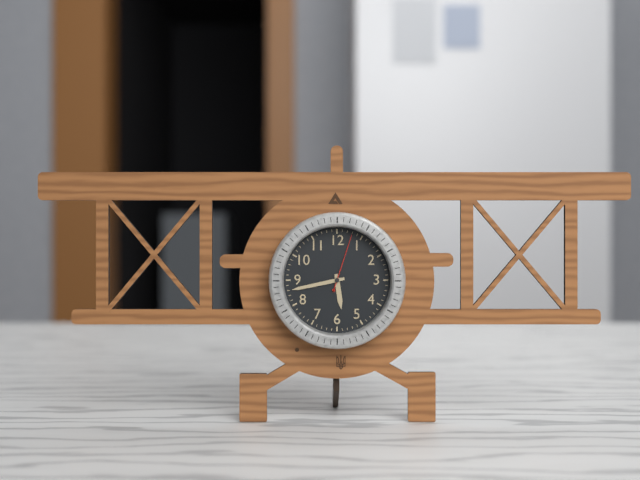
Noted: **5:43:03**
